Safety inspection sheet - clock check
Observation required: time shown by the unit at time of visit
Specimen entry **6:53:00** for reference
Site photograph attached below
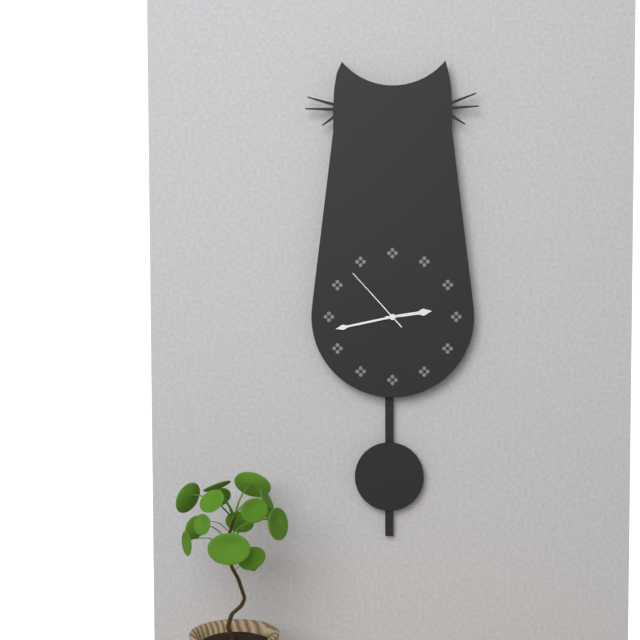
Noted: **2:43:53**
